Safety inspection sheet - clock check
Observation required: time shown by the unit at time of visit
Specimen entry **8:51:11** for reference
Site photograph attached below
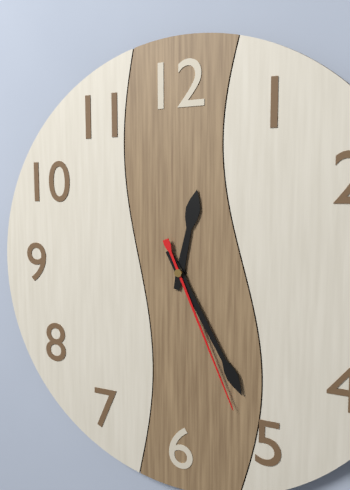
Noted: **12:25:26**
